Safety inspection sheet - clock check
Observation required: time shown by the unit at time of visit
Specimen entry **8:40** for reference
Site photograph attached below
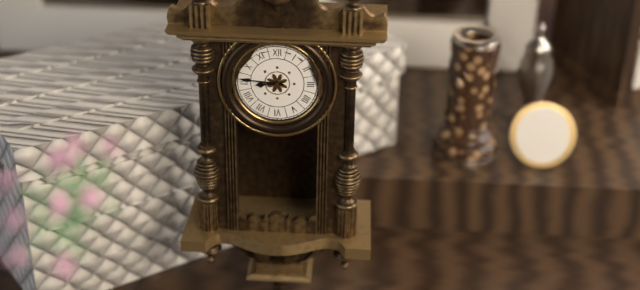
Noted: **8:46**
